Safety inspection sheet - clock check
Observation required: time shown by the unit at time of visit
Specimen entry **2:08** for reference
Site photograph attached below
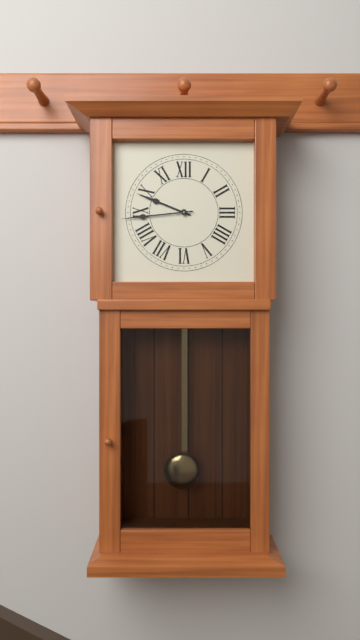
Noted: **9:44**
